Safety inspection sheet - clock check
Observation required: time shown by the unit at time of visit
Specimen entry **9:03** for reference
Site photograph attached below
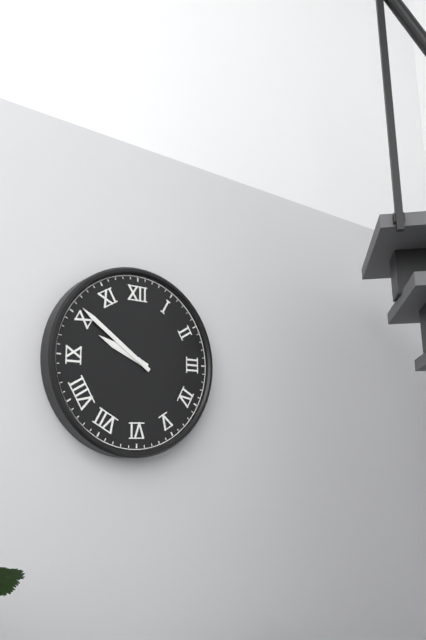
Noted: **9:51**
